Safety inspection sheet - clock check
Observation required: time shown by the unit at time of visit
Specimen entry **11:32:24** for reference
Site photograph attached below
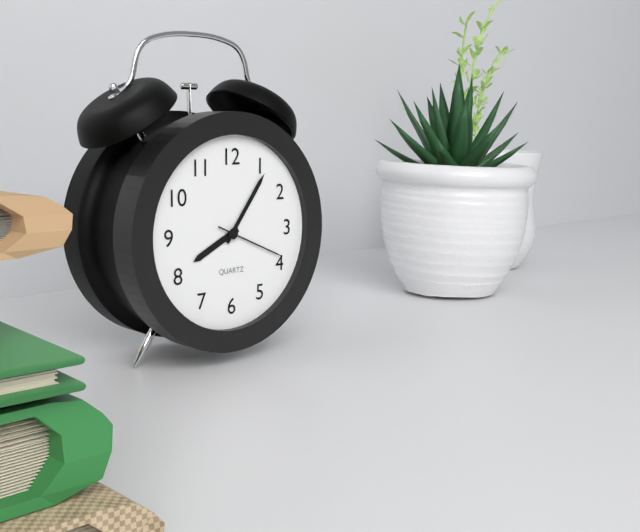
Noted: **8:06:19**
